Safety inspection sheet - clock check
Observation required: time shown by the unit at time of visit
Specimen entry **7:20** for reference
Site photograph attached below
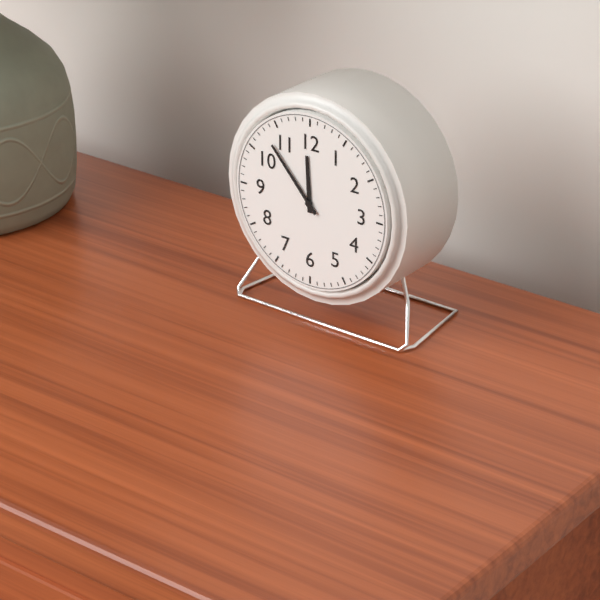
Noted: **11:53**
